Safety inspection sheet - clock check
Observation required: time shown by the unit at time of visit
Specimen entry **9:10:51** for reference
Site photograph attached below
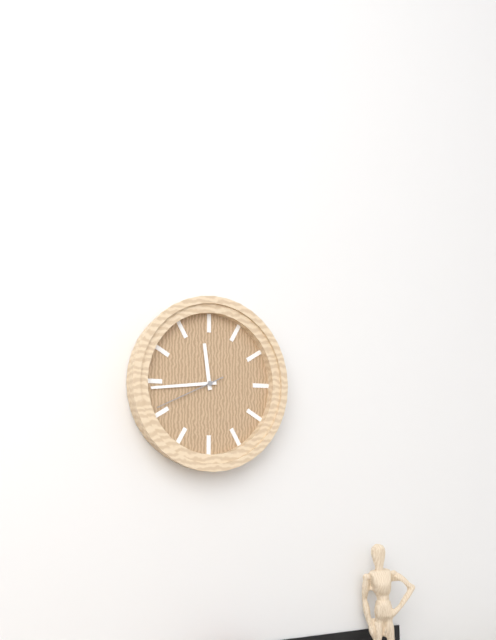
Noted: **11:44:41**
